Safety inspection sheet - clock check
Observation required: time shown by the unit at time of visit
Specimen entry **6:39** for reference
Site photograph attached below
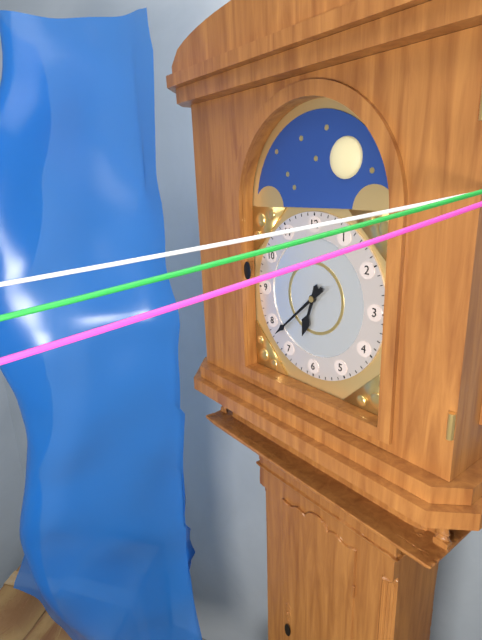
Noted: **6:38**
